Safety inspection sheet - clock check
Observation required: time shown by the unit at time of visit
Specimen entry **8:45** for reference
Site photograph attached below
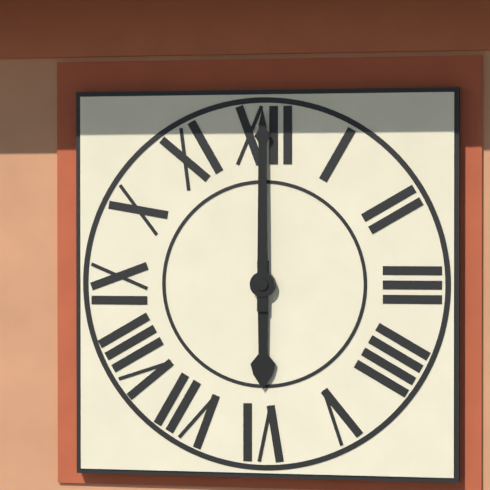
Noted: **6:00**
